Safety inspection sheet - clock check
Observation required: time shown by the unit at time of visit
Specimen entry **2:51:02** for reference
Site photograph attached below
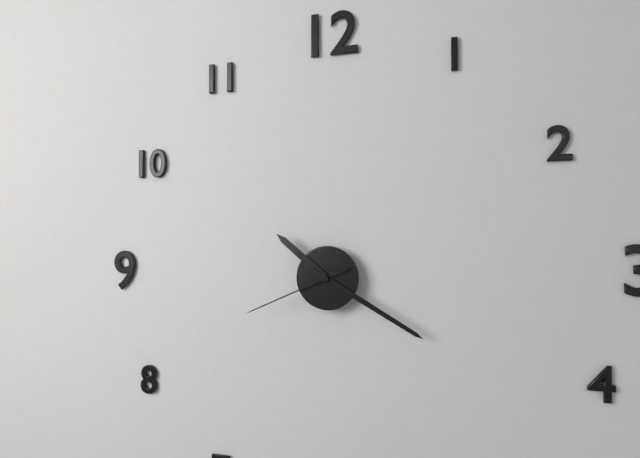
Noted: **10:20:41**
